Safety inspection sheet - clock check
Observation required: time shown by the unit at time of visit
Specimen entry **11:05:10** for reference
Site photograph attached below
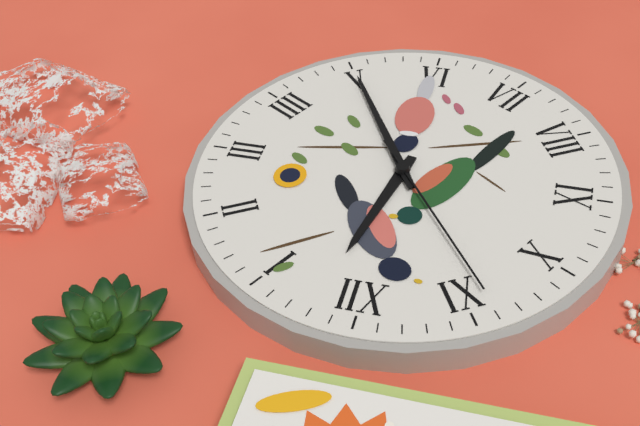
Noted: **12:25:54**
